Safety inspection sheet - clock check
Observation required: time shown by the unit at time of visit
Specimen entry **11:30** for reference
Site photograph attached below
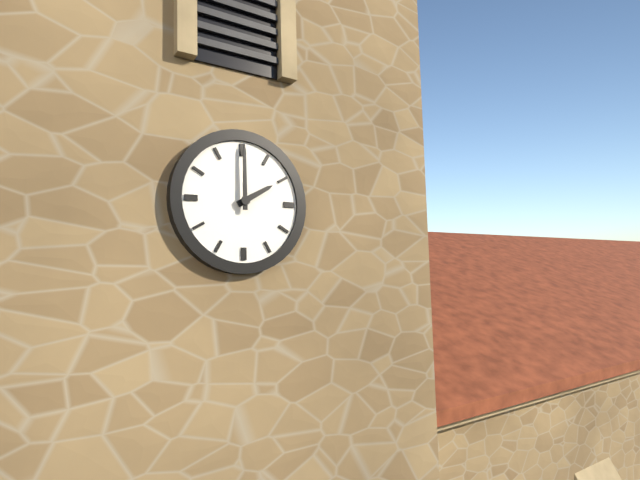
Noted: **2:00**
